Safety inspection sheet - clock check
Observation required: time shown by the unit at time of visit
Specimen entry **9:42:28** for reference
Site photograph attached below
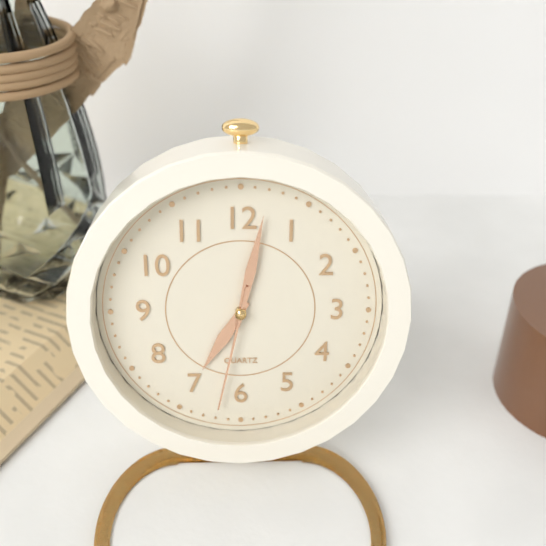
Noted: **7:02:32**
